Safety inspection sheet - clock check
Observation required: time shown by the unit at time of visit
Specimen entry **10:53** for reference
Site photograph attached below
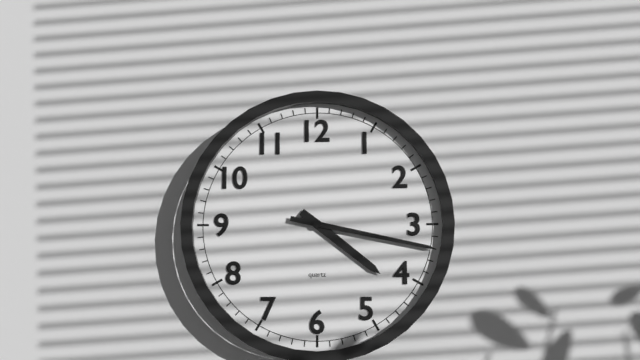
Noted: **4:17**
